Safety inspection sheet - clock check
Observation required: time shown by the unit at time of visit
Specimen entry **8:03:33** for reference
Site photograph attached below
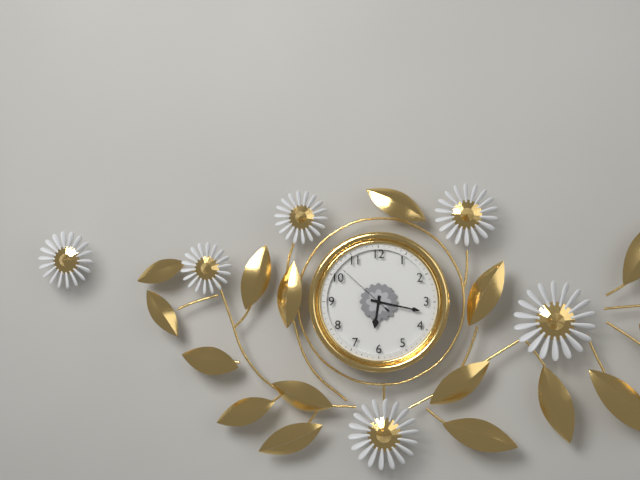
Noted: **6:17:52**
